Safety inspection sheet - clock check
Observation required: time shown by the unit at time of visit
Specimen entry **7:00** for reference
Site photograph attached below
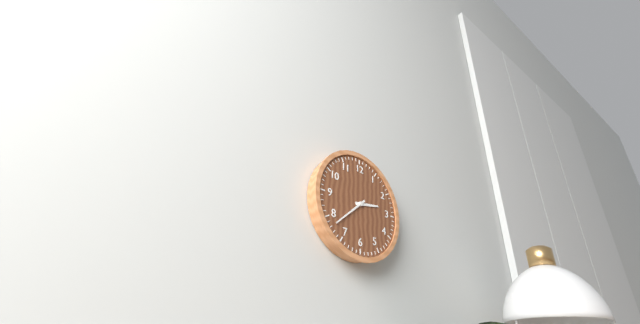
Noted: **2:38**
